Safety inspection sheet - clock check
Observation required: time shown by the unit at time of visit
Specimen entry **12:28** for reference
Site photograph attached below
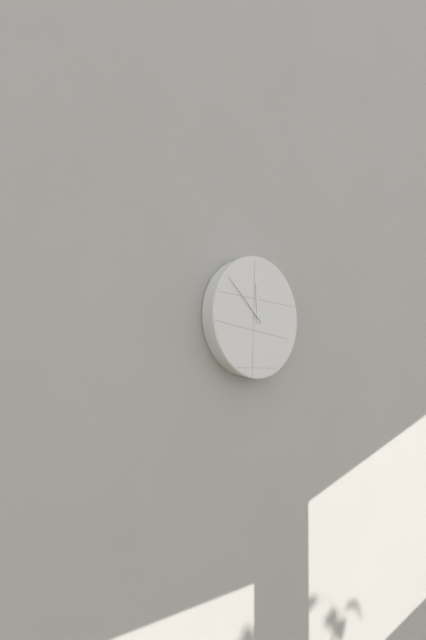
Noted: **11:52**
